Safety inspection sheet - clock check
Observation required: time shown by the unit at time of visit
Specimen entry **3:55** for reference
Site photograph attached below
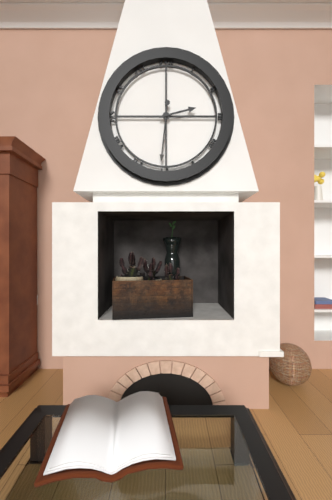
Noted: **2:31**
